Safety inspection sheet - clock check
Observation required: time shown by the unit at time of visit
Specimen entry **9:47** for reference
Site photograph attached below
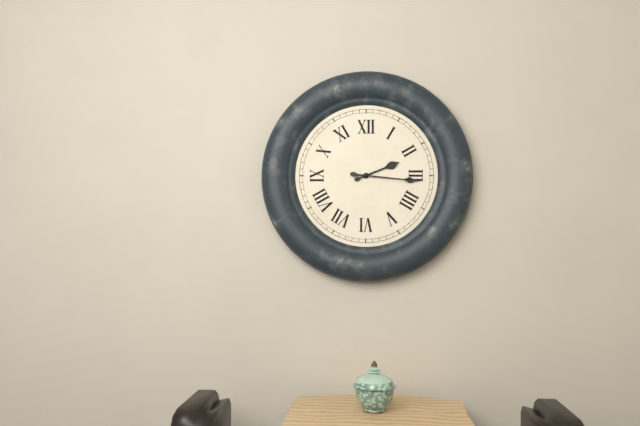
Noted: **2:16**
